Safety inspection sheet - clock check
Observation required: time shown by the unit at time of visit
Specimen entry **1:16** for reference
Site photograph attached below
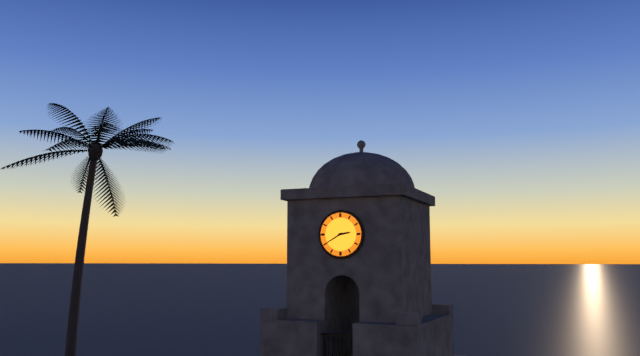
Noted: **2:40**
